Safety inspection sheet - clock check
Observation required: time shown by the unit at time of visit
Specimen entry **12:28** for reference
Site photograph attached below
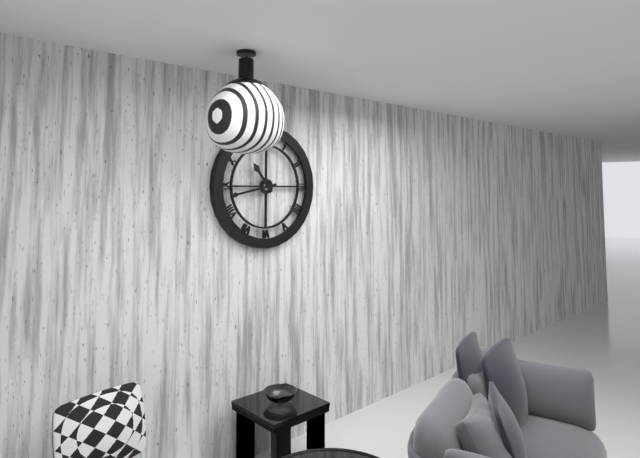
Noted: **10:43**
